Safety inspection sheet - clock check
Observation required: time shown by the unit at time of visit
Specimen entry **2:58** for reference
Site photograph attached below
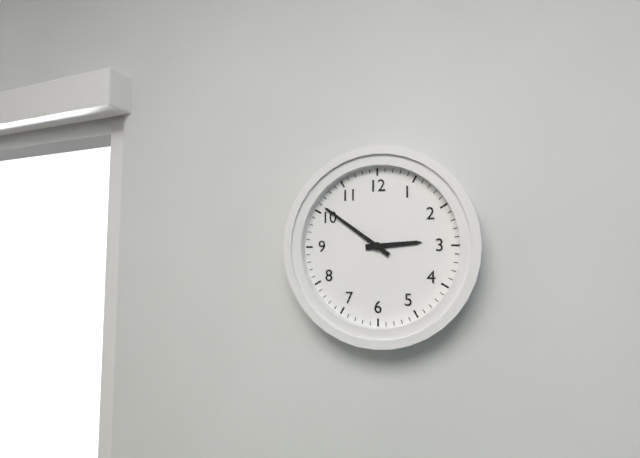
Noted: **2:51**
